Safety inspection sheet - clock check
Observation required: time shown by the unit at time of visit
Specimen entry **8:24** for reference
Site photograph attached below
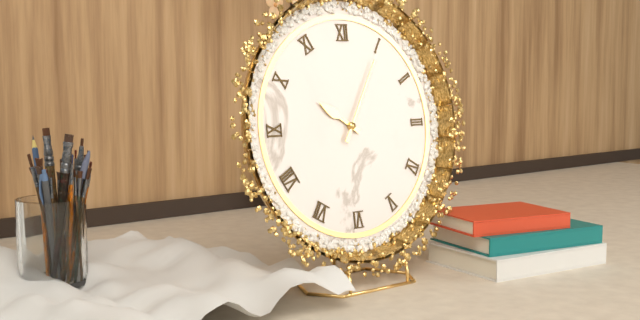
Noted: **10:05**
